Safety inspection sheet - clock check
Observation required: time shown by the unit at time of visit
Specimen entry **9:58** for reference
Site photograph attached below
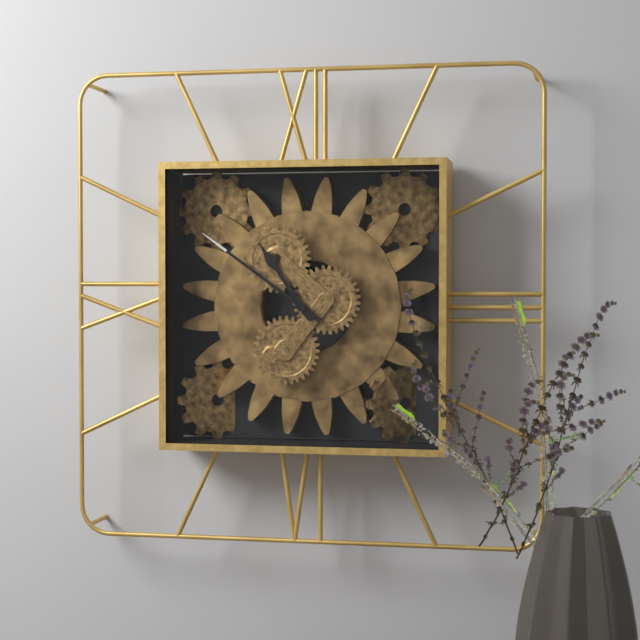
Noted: **10:51**
